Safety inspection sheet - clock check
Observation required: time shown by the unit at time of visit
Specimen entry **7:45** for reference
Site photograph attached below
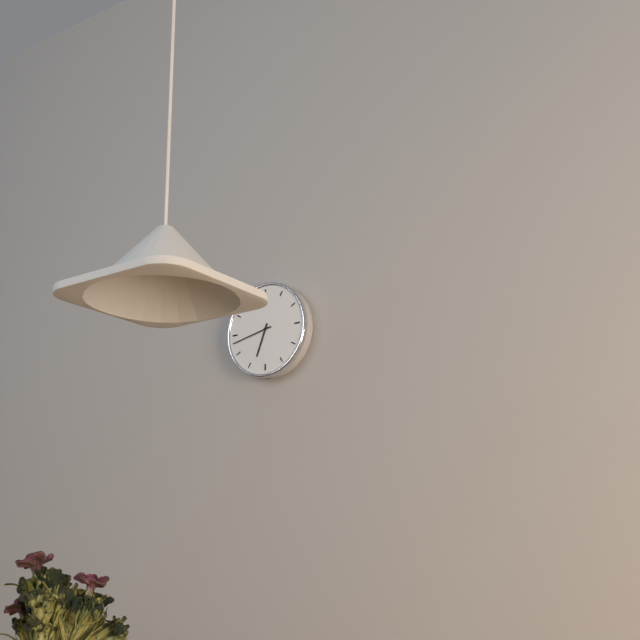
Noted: **6:43**
